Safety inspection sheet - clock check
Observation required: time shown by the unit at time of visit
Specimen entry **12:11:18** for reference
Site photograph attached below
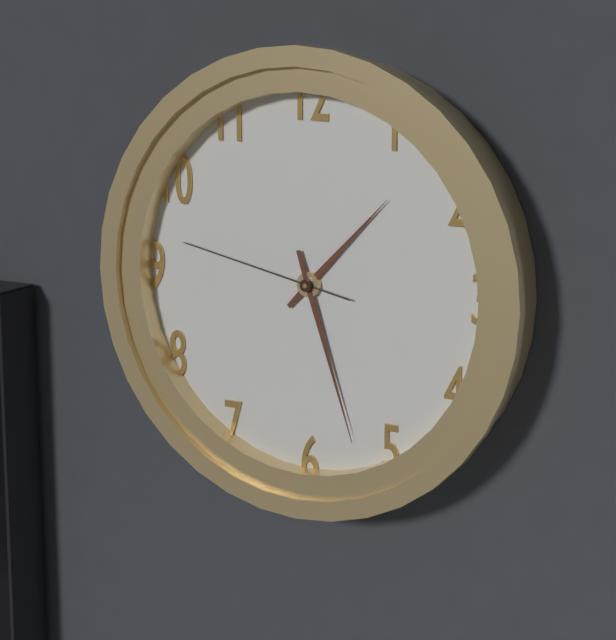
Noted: **1:27:47**
